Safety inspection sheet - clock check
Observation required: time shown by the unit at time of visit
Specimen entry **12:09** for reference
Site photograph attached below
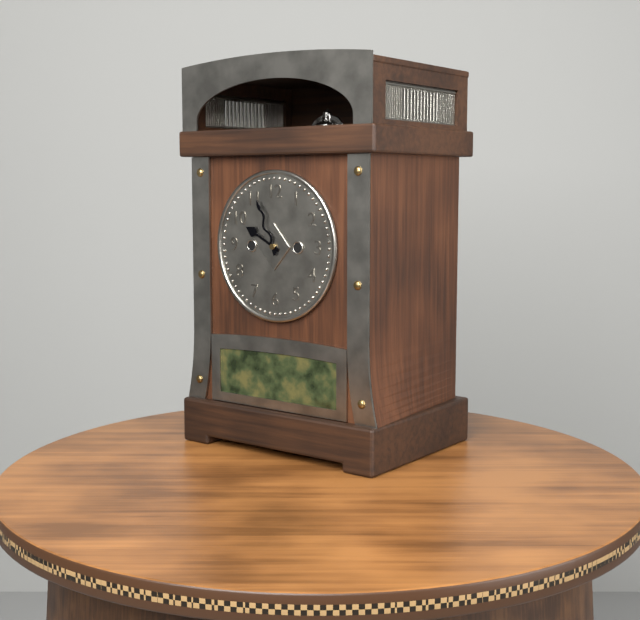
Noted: **9:56**
